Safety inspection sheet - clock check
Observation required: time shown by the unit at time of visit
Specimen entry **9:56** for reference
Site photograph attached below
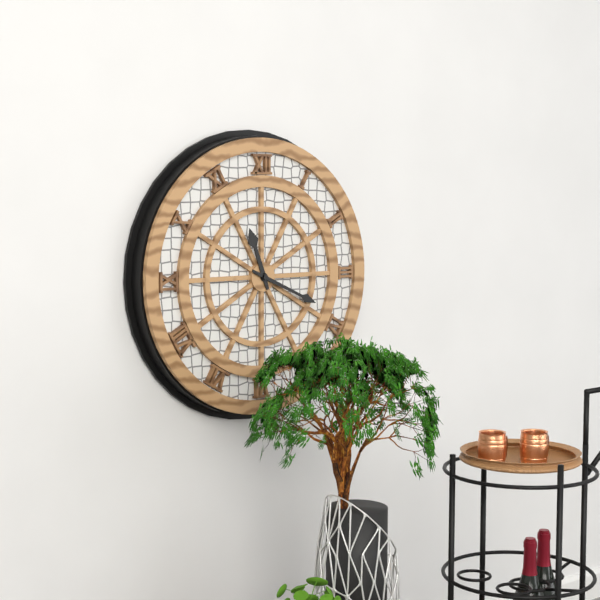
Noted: **11:19**
